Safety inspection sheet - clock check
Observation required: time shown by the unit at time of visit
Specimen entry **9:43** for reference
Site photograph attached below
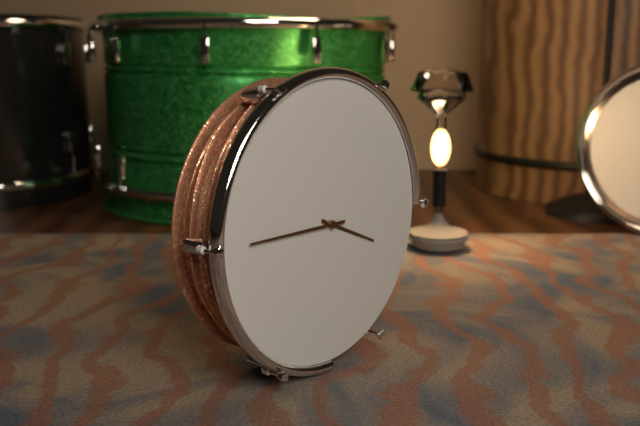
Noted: **3:45**
